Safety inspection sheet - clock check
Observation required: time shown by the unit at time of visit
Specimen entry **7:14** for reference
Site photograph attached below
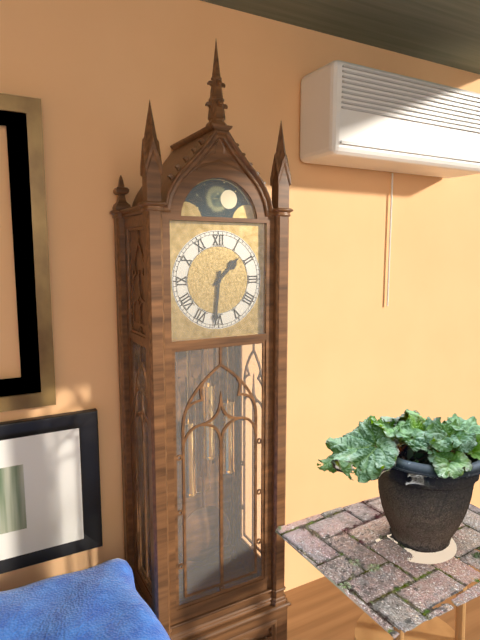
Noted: **1:31**
